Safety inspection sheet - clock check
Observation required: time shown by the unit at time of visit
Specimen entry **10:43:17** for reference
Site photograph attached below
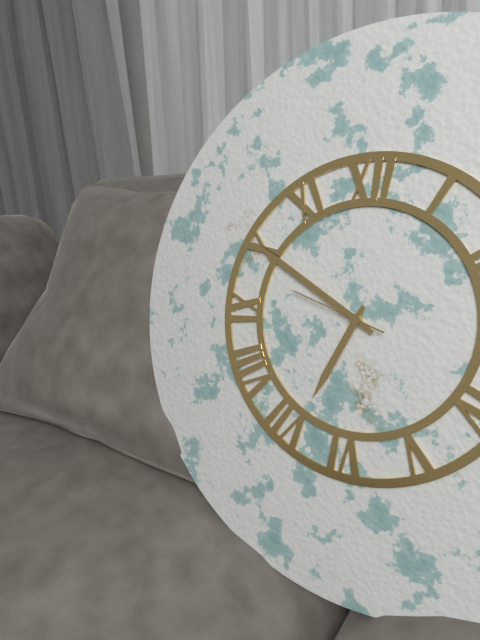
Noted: **6:50:48**
